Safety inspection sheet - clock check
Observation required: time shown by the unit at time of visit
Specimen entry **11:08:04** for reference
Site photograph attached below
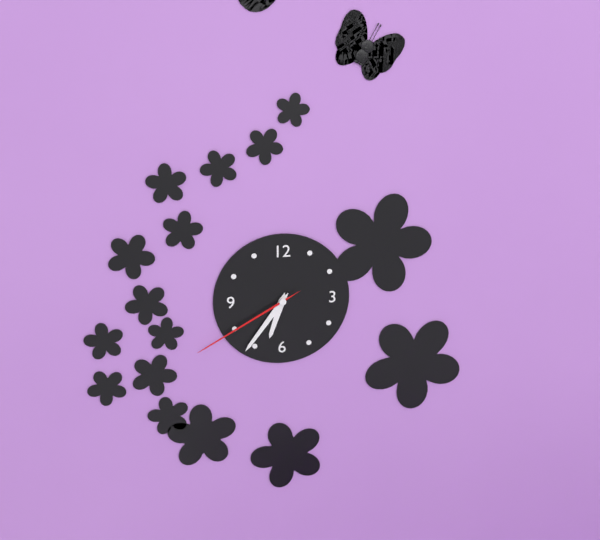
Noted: **6:36:40**
